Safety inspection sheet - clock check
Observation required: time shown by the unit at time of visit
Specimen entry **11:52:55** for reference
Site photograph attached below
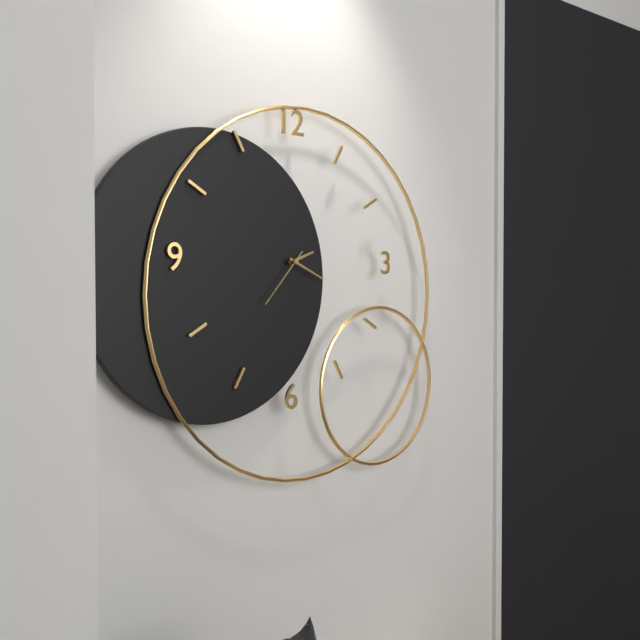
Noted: **2:19:37**
